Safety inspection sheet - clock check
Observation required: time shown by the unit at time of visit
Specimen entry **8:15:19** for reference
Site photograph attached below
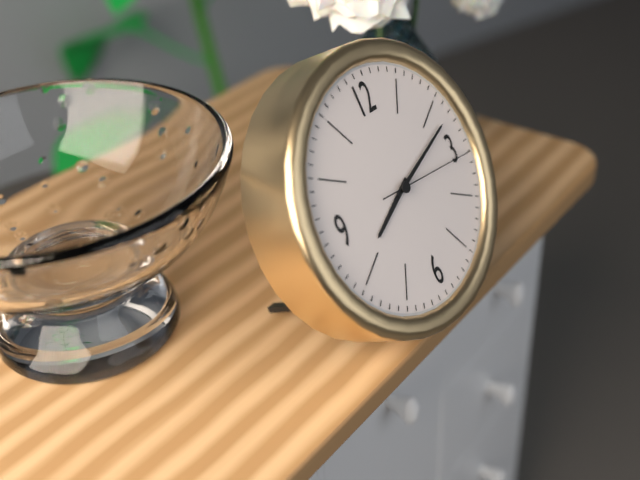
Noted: **8:12:16**
